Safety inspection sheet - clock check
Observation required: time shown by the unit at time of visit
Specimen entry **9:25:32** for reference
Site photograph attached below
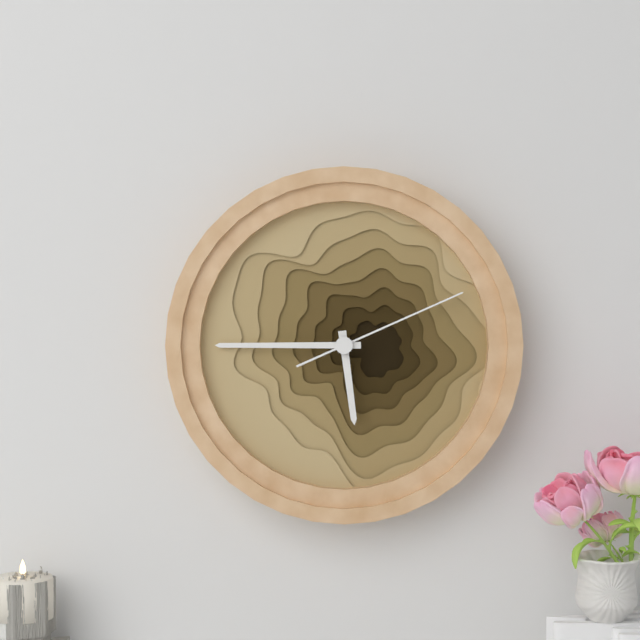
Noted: **5:45:11**
